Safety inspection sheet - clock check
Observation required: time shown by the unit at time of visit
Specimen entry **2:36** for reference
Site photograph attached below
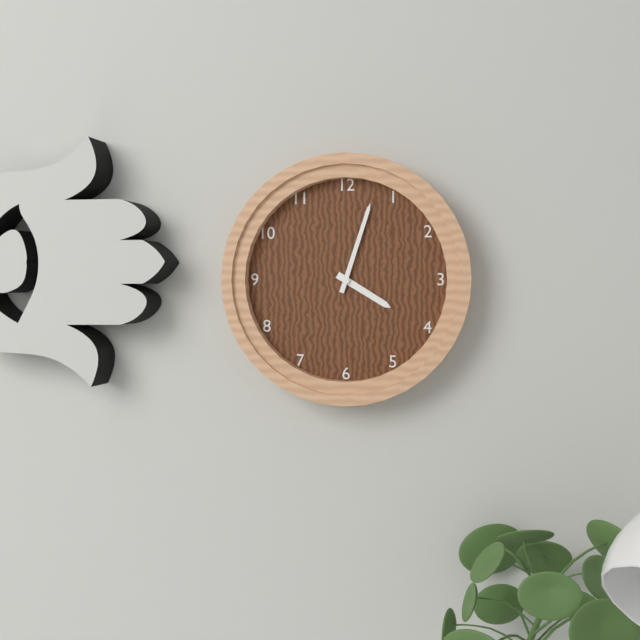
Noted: **4:03**
